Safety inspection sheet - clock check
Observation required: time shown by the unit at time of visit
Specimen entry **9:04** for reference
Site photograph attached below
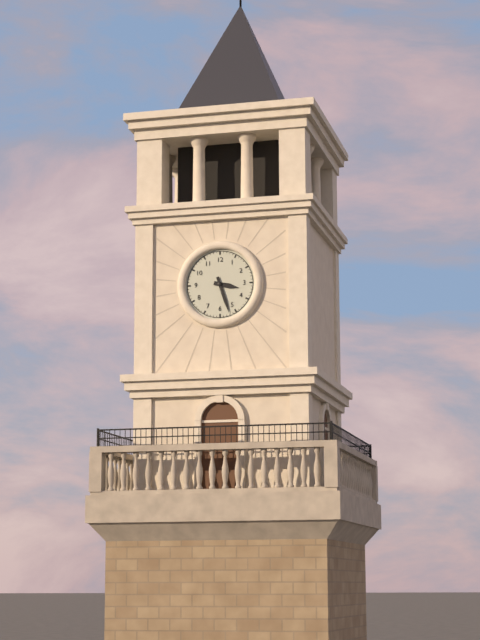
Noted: **3:27**
